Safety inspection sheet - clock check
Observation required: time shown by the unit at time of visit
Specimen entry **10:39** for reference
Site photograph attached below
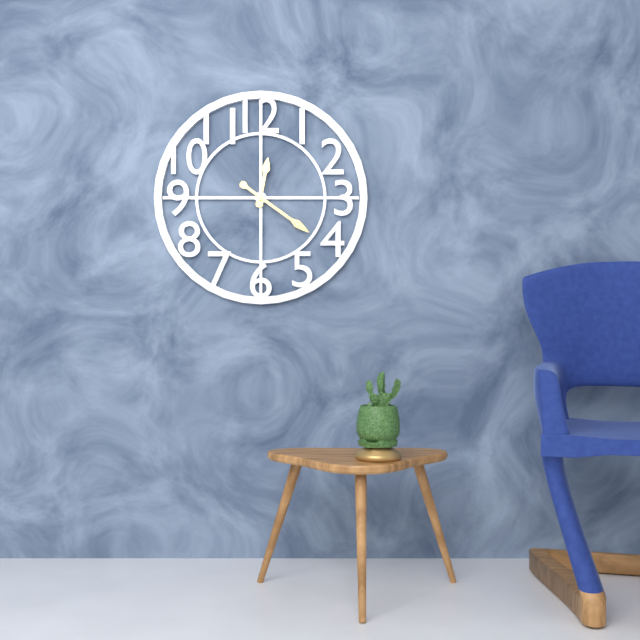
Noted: **12:21**
